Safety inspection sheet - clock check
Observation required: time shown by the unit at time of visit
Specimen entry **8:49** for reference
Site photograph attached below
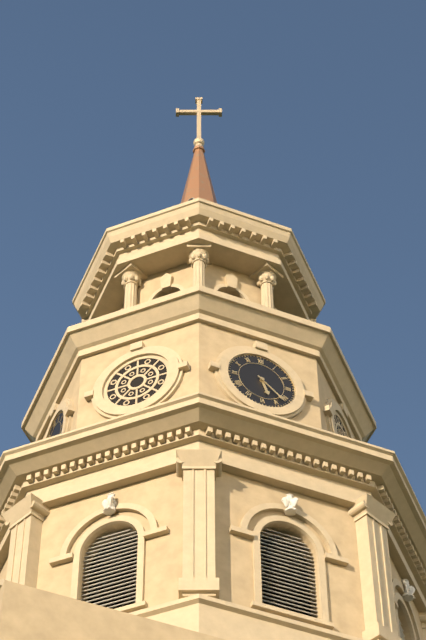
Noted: **5:22**
